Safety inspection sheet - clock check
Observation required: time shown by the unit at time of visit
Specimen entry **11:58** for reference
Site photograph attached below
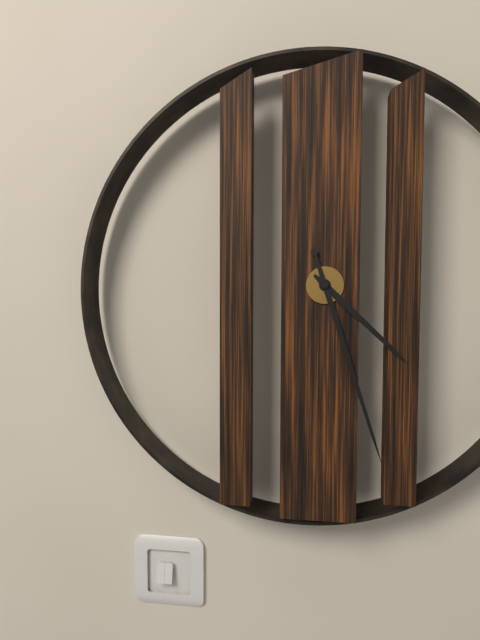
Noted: **4:27**
